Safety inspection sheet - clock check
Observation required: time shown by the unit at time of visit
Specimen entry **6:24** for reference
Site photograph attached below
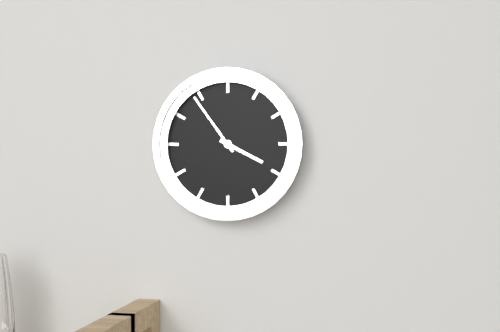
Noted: **3:54**
